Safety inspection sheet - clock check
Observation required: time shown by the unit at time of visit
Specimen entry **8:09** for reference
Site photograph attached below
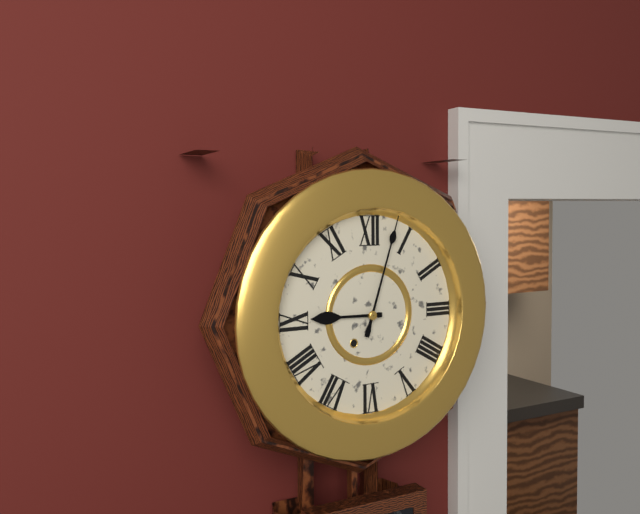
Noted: **9:03**
